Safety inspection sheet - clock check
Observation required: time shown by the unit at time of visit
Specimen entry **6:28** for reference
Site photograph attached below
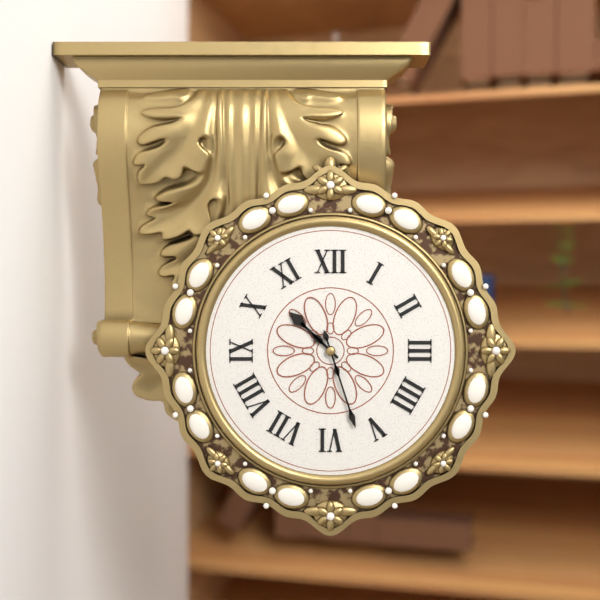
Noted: **10:27**
